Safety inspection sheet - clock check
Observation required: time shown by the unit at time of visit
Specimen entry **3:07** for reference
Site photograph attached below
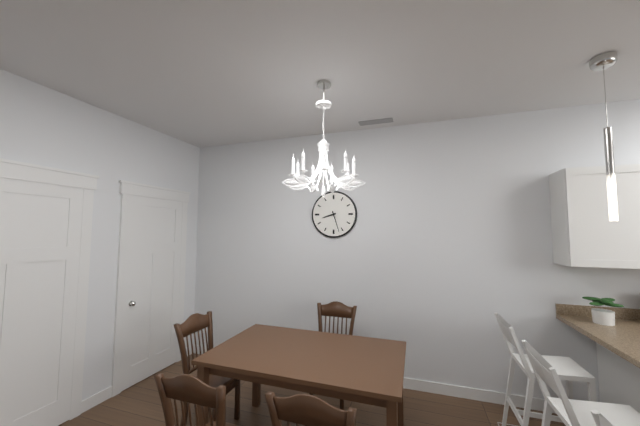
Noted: **8:27**
